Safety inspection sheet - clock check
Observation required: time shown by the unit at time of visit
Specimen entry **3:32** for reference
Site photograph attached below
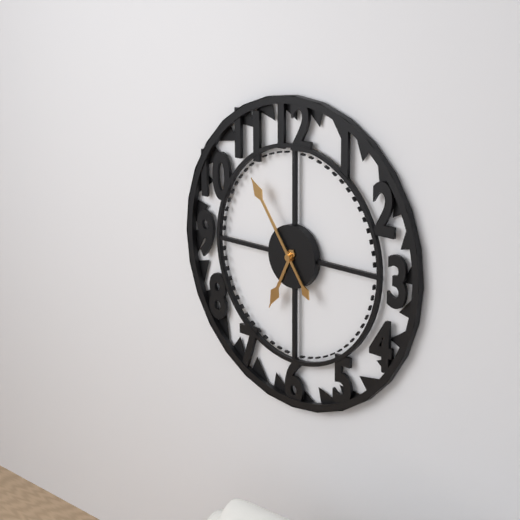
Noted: **6:54**
